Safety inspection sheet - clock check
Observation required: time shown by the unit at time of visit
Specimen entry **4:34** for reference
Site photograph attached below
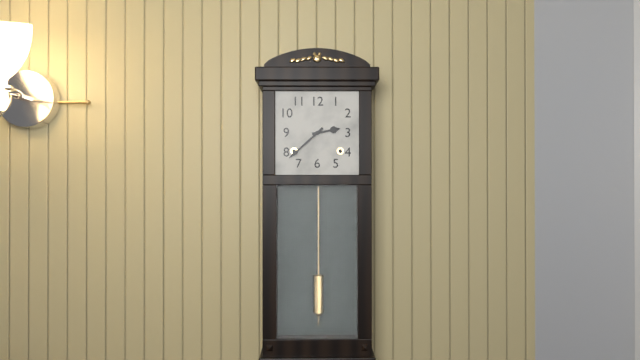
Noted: **2:38**
